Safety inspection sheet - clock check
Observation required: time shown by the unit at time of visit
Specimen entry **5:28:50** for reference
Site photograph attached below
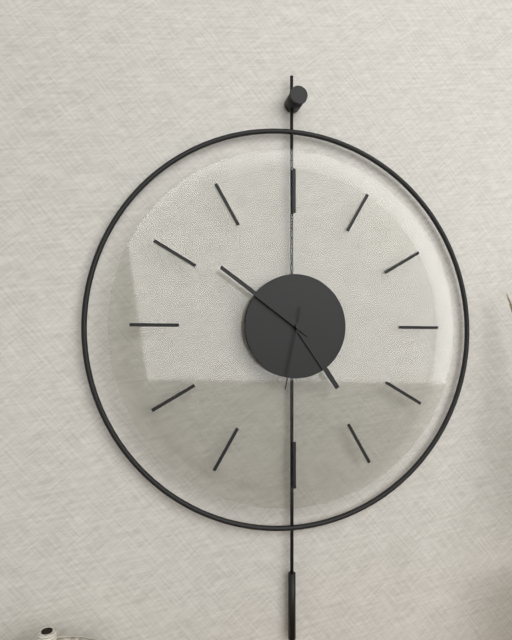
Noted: **4:51:32**
